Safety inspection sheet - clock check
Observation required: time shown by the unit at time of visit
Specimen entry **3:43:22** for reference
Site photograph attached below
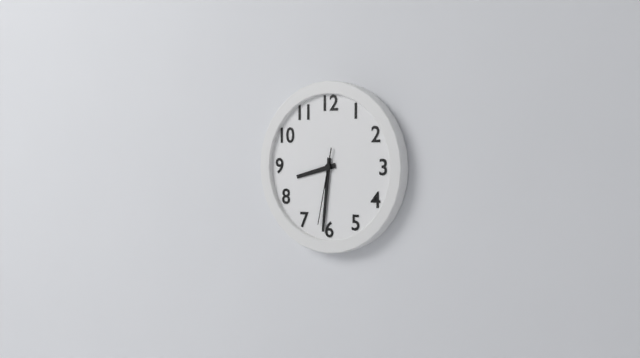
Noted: **8:31:32**
